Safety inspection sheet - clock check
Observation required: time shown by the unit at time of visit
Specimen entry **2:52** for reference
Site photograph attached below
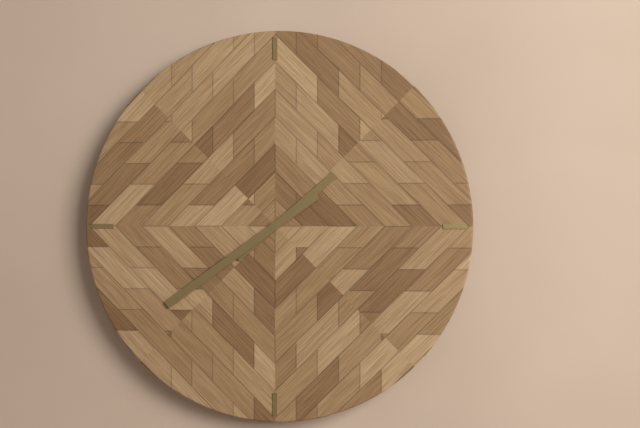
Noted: **1:39**
